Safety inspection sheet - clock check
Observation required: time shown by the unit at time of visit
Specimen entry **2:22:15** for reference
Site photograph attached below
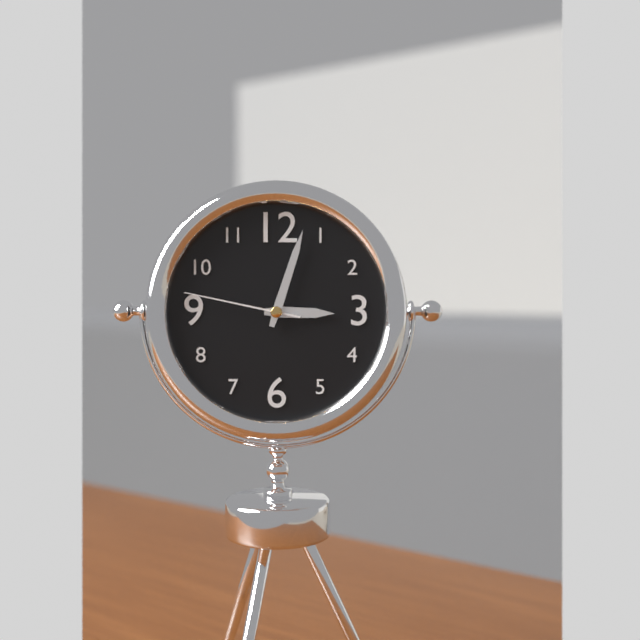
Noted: **3:03:47**
